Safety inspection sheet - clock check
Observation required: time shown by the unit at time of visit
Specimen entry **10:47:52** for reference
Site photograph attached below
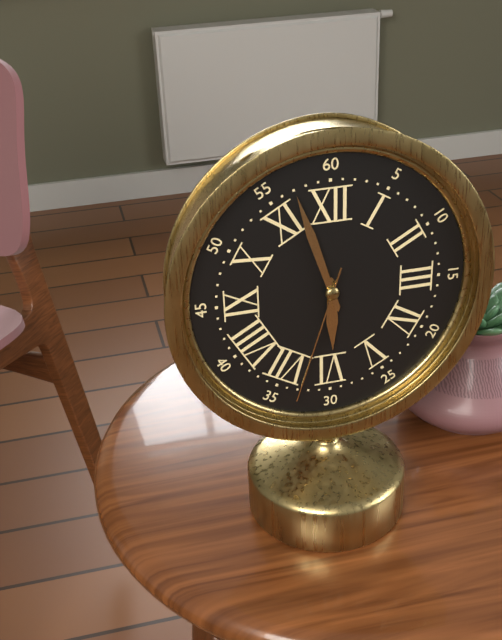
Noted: **5:57:33**
